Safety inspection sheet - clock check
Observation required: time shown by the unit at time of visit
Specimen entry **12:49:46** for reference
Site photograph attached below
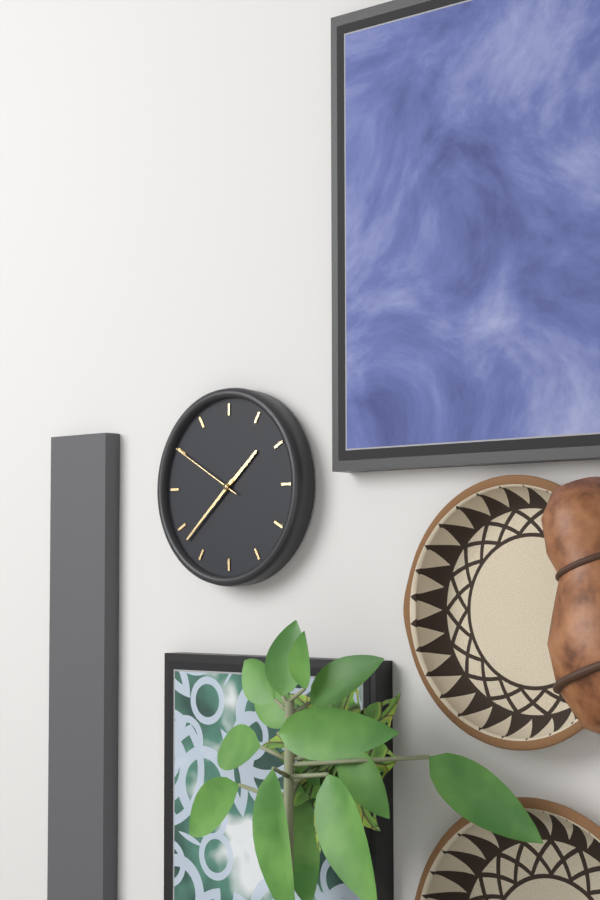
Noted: **1:38:50**
